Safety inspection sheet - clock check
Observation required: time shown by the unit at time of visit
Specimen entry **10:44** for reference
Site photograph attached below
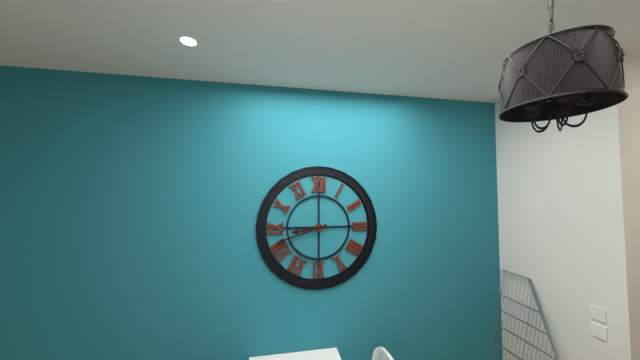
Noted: **8:42**
